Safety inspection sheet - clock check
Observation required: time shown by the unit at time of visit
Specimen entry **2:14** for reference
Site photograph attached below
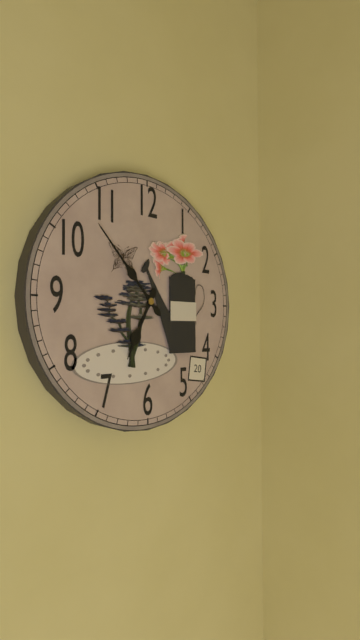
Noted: **6:53**
